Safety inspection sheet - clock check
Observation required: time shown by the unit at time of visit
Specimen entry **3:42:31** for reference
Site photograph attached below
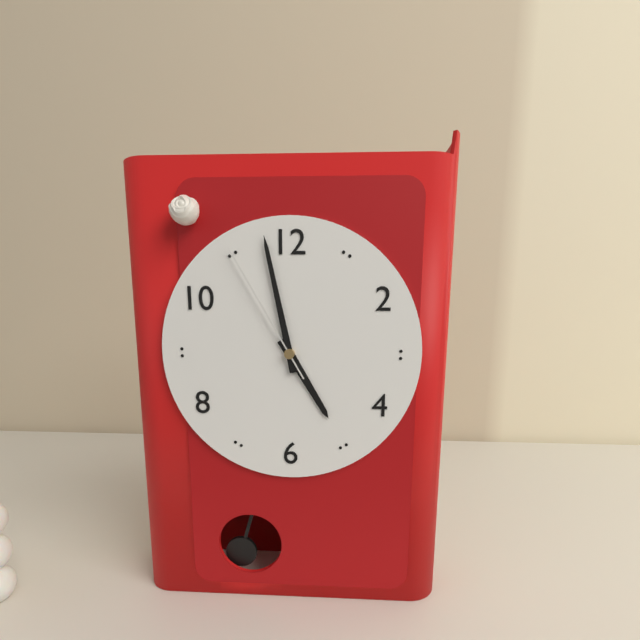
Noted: **4:58:55**
